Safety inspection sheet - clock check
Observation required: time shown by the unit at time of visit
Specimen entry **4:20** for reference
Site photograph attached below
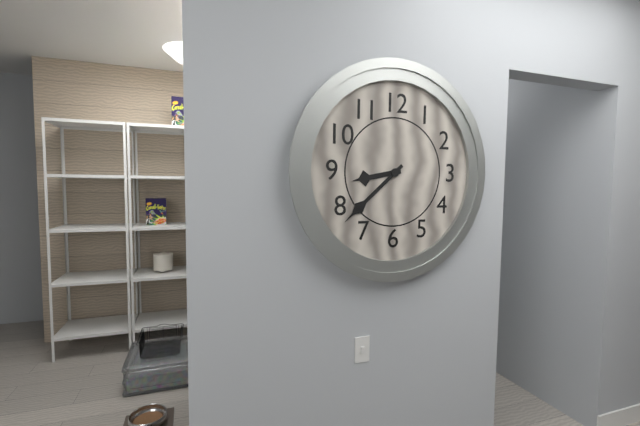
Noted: **8:38**
